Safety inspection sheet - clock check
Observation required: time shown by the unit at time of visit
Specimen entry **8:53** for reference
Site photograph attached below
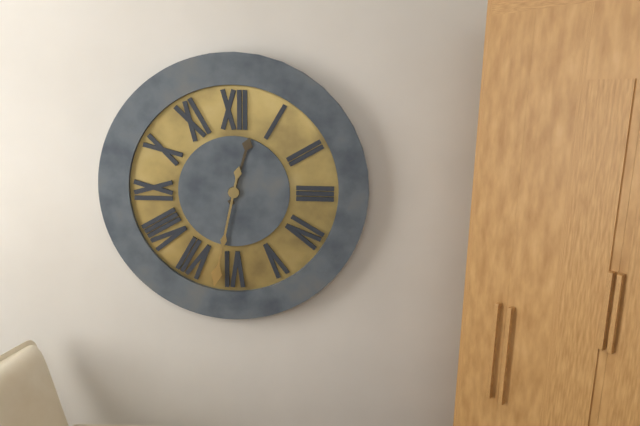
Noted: **12:32**
